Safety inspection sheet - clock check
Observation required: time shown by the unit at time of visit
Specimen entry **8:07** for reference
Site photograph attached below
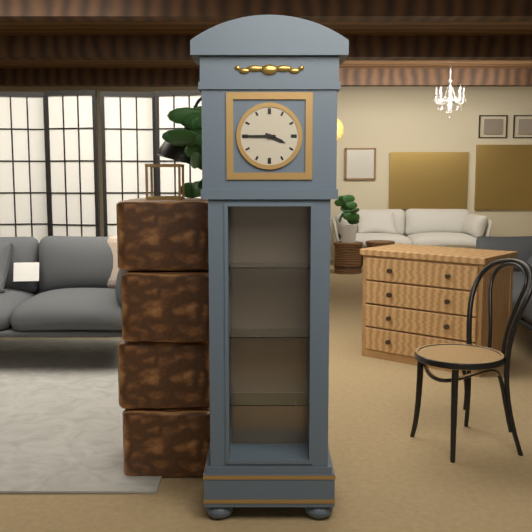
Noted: **3:45**
